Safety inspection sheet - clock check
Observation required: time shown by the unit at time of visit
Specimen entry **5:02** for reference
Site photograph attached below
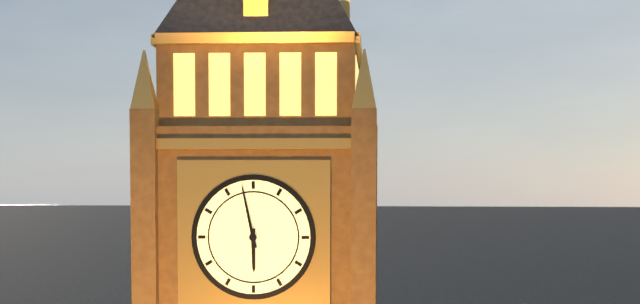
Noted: **5:58**
